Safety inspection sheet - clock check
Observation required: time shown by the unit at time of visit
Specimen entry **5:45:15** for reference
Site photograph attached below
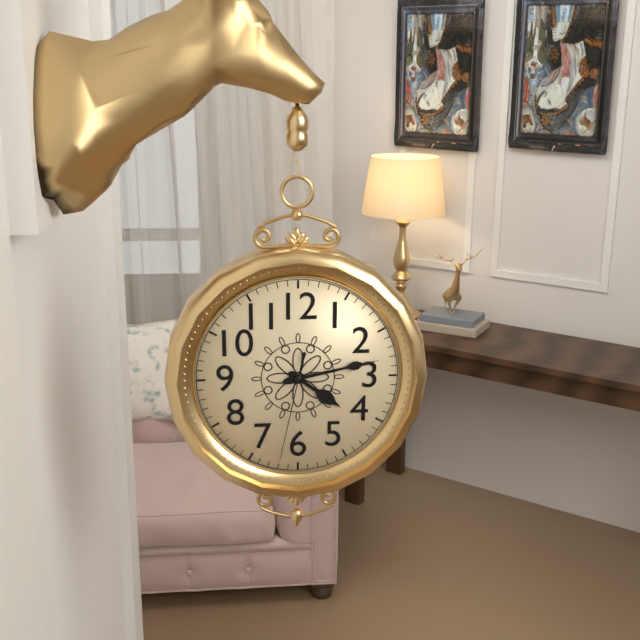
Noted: **4:13:32**
